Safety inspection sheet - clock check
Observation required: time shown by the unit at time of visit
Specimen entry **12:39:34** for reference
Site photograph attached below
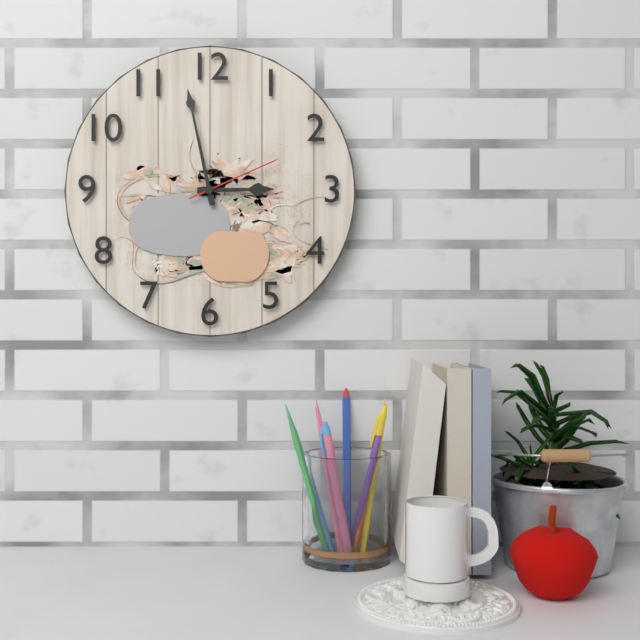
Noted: **2:58:11**
